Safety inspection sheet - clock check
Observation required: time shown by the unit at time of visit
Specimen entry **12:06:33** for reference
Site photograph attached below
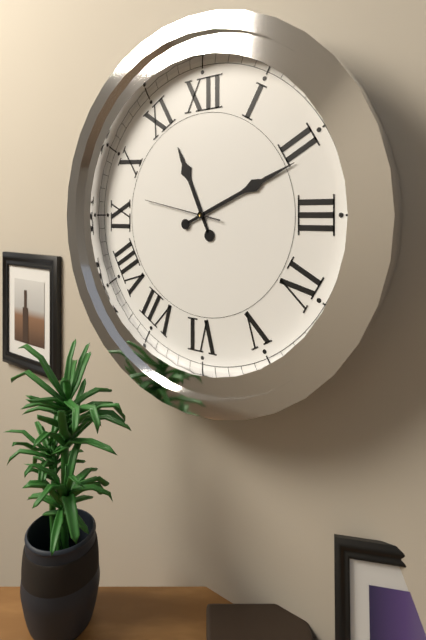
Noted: **11:11:47**
